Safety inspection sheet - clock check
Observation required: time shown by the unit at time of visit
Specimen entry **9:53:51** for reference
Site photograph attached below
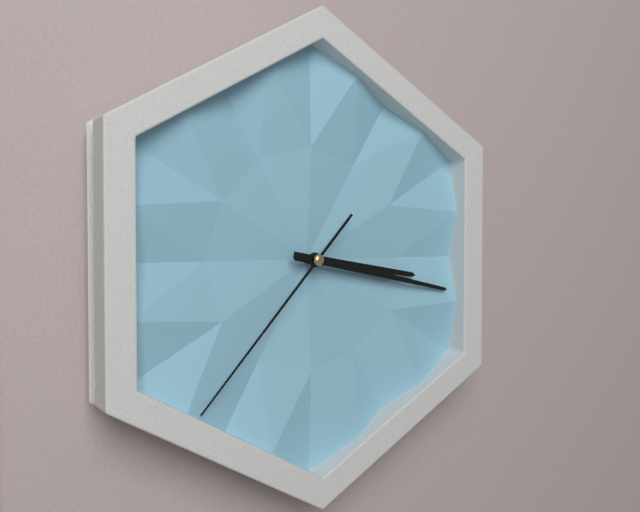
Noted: **3:17:37**
